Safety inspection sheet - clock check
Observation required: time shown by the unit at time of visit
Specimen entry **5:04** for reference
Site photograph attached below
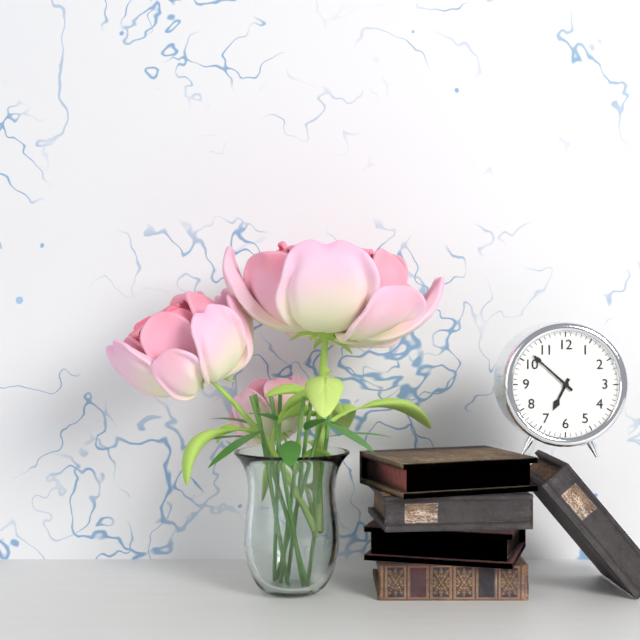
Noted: **6:52**
